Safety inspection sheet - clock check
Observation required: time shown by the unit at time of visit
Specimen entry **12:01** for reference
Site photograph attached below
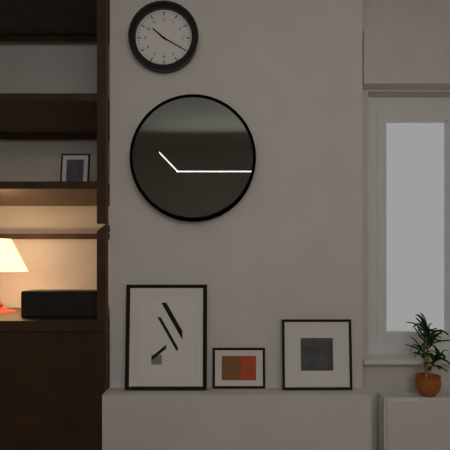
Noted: **10:20**
